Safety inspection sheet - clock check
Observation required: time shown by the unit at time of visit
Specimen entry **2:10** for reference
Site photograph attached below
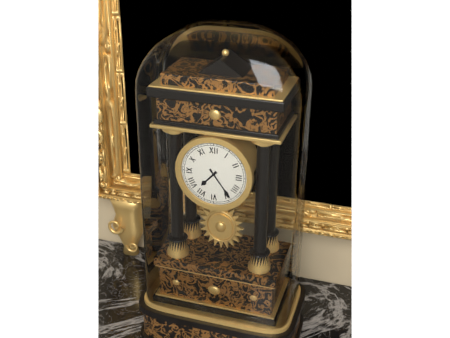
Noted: **7:24**
